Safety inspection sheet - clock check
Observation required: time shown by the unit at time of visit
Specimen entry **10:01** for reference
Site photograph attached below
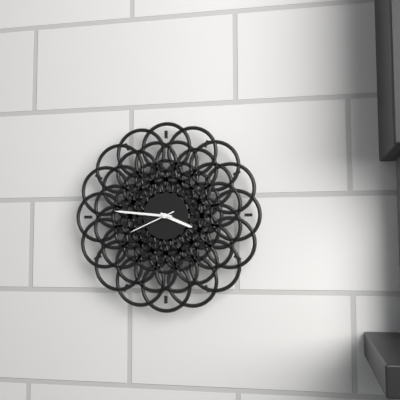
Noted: **3:46**
